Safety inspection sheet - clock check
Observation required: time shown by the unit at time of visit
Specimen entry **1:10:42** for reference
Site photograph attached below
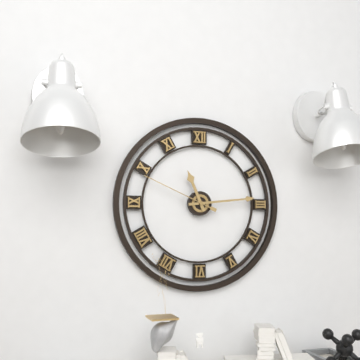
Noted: **11:14:49**
